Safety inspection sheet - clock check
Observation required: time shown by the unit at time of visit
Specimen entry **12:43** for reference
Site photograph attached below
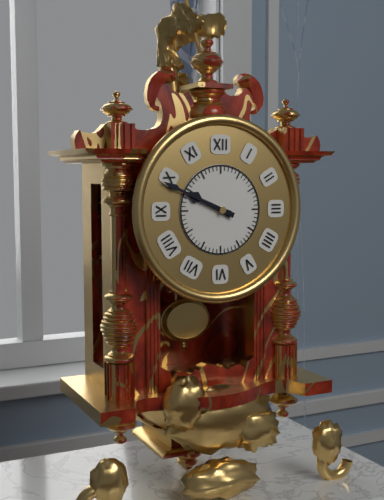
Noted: **9:49**
